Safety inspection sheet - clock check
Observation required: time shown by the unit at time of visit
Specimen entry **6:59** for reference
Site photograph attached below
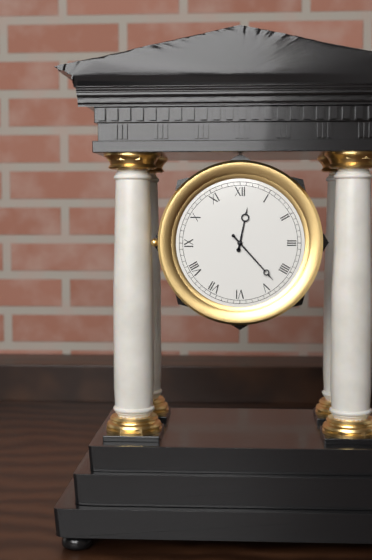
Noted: **12:23**
